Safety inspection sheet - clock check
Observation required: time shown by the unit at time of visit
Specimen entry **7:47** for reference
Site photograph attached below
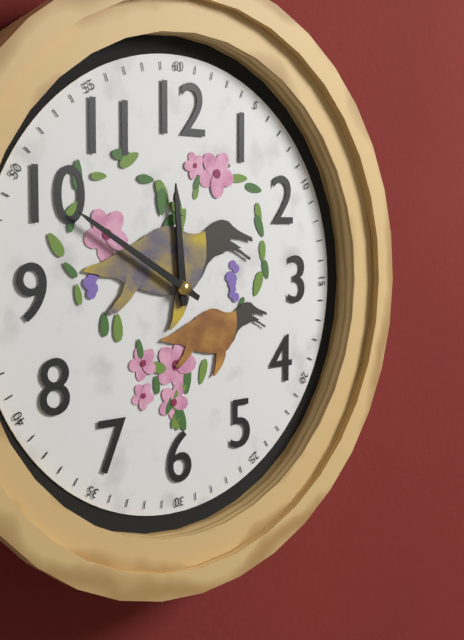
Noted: **11:50**
